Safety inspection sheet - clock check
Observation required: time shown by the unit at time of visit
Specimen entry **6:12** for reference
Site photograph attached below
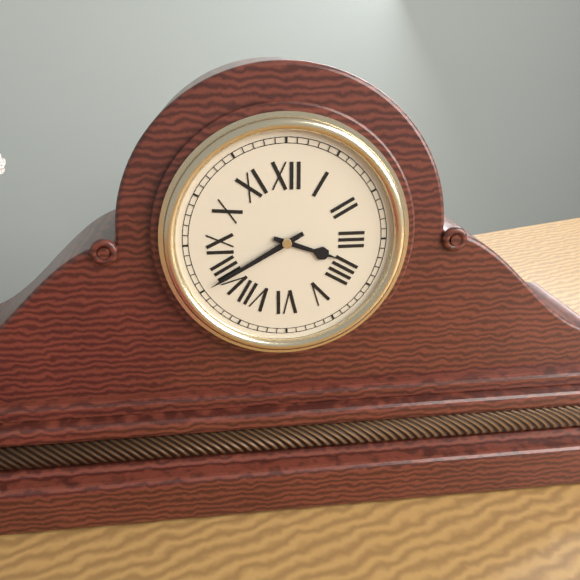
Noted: **3:40**
